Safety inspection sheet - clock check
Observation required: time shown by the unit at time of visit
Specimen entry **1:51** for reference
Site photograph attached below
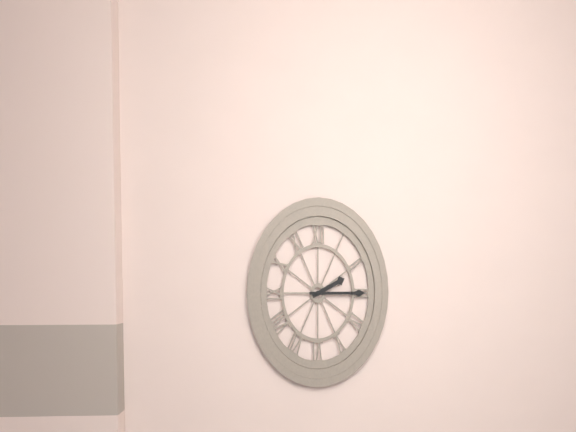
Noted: **2:15**
